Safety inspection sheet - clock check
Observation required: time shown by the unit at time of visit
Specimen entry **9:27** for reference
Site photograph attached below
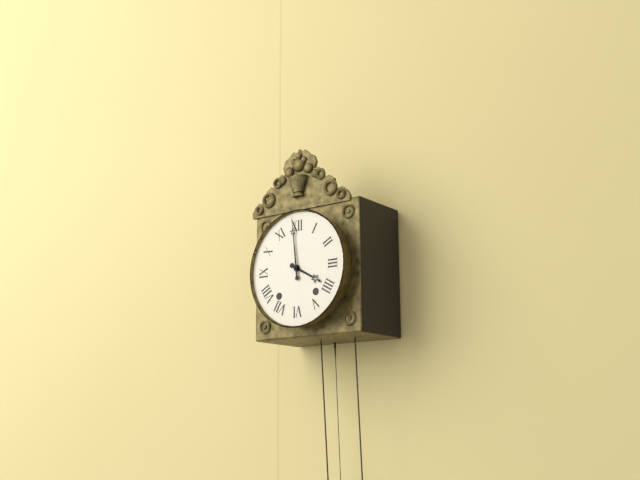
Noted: **3:59**
